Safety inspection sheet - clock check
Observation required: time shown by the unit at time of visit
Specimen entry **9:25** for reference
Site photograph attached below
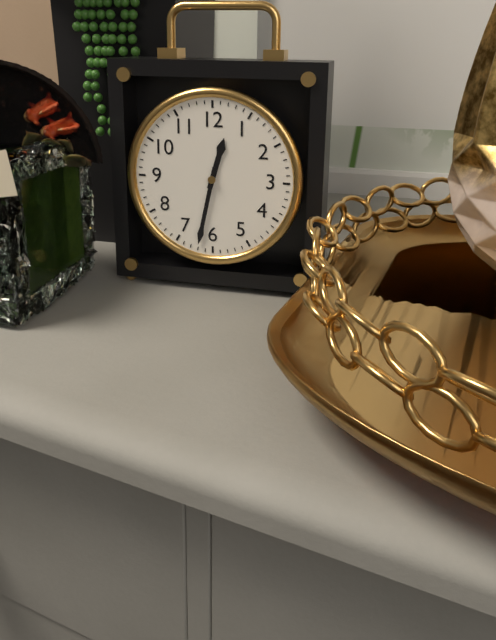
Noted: **12:32**
